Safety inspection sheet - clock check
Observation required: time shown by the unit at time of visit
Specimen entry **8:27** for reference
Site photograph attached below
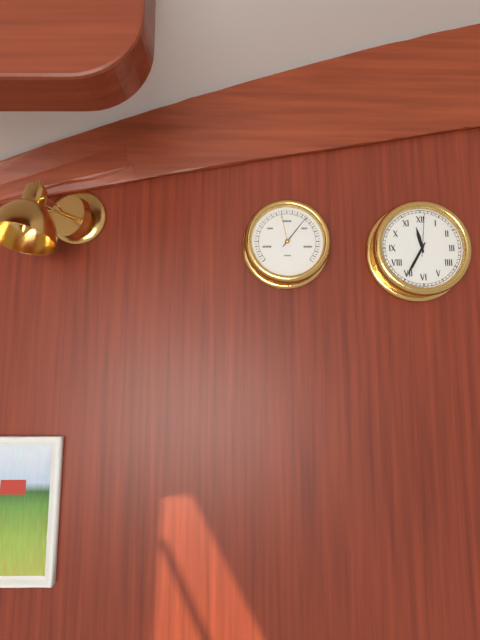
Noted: **11:35**
